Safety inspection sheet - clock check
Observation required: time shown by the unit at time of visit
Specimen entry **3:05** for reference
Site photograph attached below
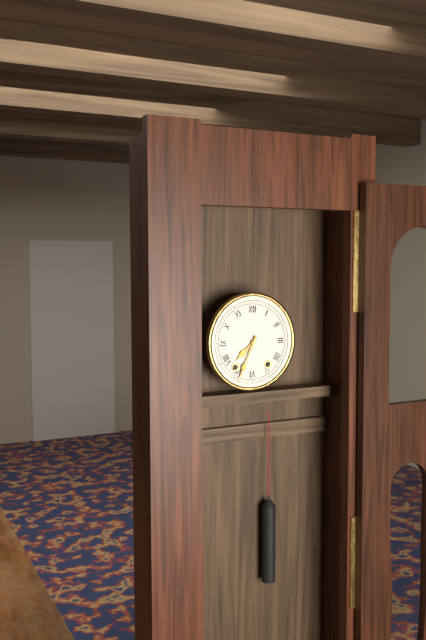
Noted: **7:34**
